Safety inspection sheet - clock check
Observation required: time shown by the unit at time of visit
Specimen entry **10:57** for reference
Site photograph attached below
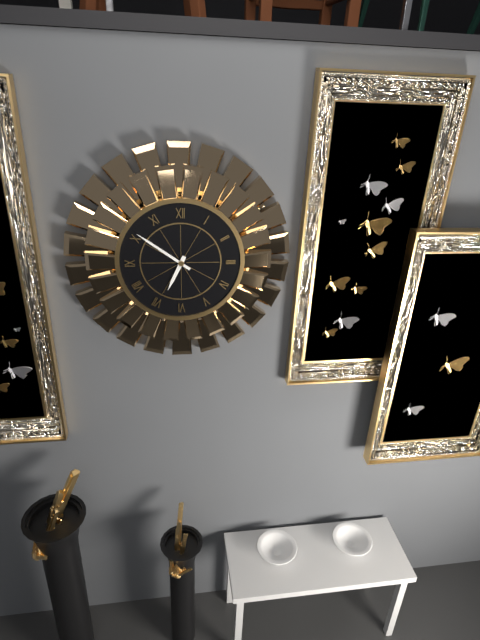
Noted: **6:51**
